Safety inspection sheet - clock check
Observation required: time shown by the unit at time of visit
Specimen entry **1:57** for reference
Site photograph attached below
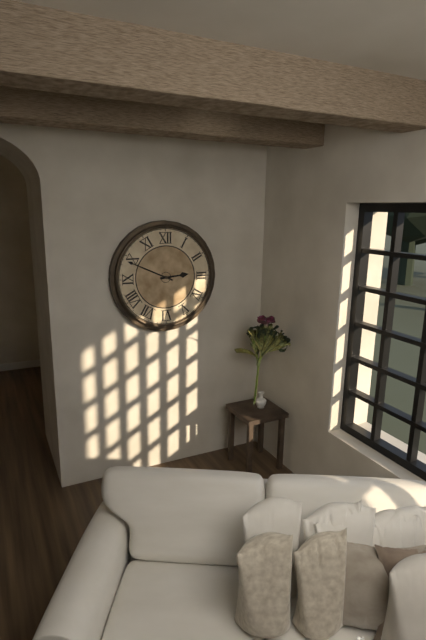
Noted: **2:49**
